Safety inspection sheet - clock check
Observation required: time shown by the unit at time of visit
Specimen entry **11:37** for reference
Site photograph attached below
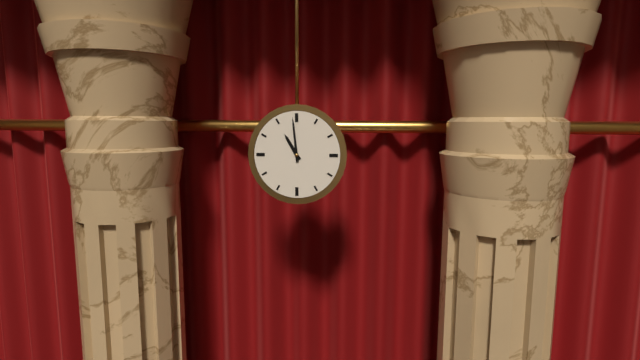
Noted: **10:59**
